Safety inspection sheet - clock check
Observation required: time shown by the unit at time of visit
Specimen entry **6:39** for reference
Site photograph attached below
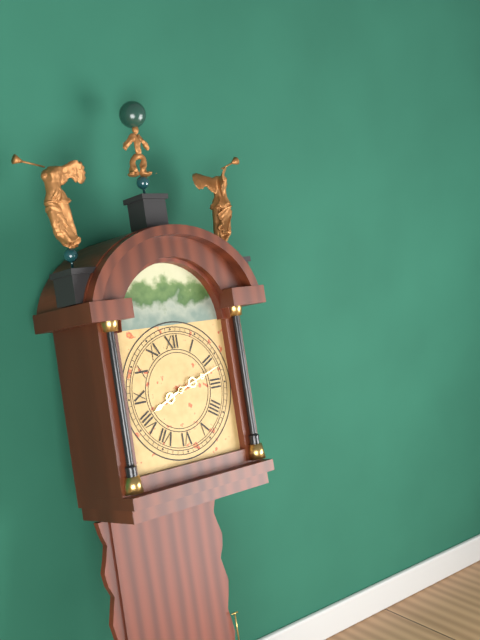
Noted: **8:12**
